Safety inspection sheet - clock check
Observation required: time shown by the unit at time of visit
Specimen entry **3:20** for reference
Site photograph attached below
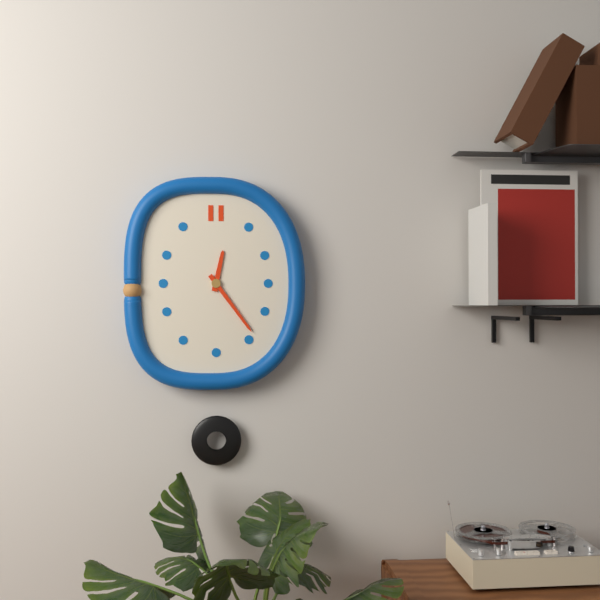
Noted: **12:24**
